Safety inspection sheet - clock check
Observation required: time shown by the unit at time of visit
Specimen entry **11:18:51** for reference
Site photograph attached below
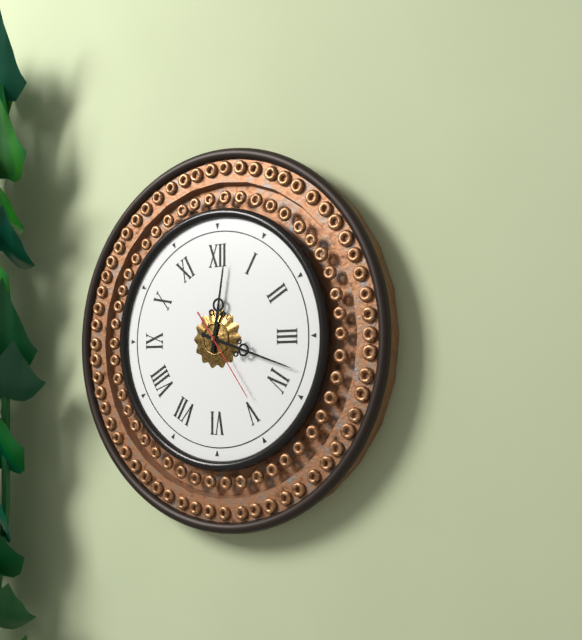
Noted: **12:18:24**
